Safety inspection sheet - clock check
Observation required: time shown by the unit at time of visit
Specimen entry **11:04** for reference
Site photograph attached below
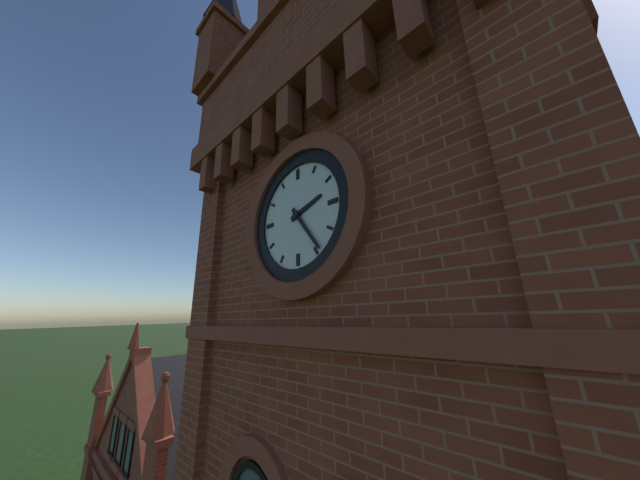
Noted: **2:24**
